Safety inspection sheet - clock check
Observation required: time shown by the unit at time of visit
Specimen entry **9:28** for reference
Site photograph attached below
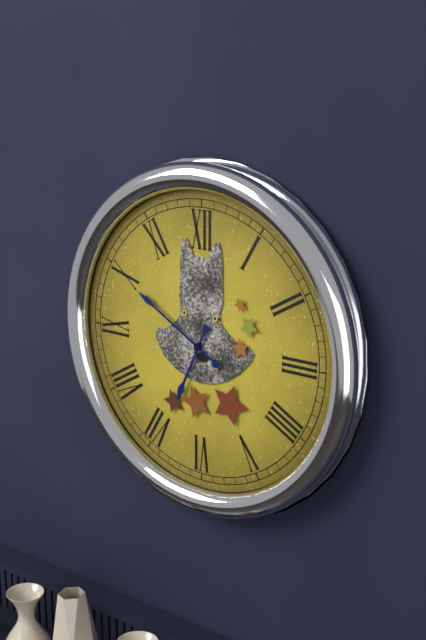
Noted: **6:50**
